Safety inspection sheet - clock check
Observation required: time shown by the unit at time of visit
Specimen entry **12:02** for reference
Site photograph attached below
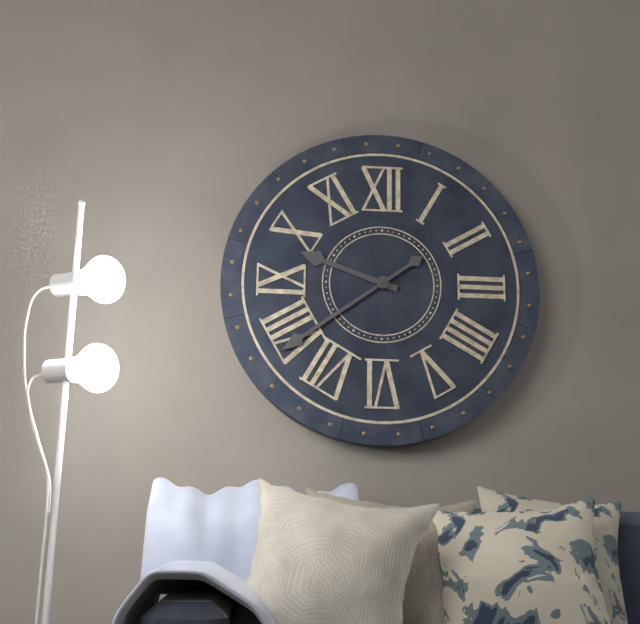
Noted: **9:39**
